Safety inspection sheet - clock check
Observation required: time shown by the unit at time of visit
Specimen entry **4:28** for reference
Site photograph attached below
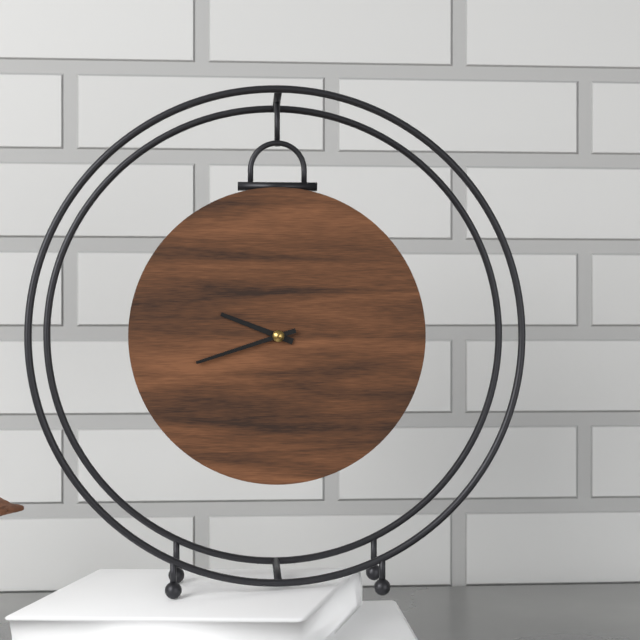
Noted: **9:42**
